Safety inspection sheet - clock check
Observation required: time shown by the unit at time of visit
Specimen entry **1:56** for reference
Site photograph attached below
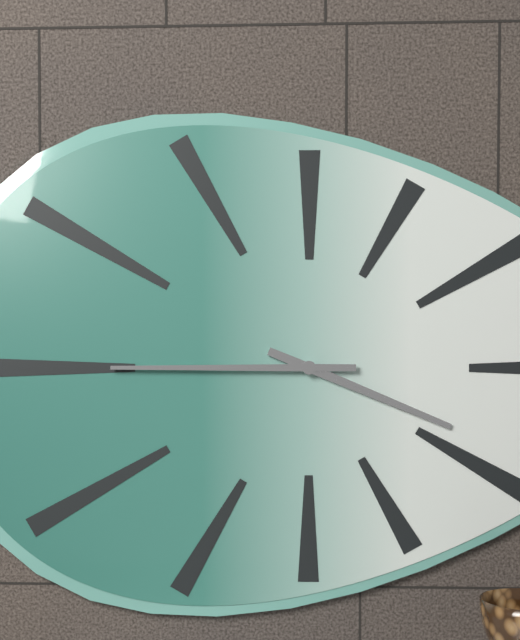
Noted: **3:45**
